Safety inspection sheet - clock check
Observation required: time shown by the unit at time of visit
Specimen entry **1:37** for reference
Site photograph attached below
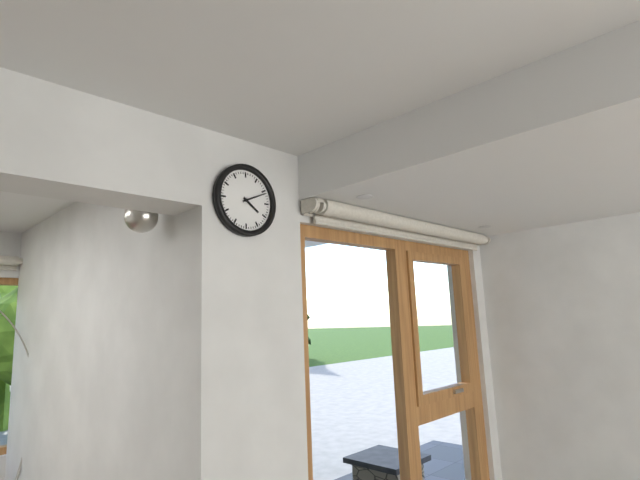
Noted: **4:11**
